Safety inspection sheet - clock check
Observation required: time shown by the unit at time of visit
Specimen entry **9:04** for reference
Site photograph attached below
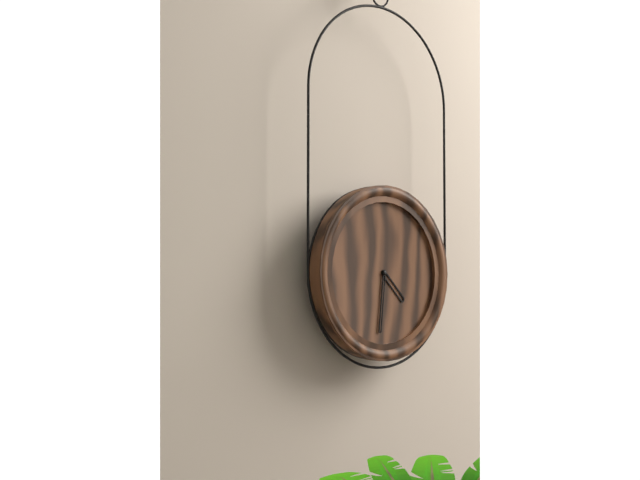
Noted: **4:31**
